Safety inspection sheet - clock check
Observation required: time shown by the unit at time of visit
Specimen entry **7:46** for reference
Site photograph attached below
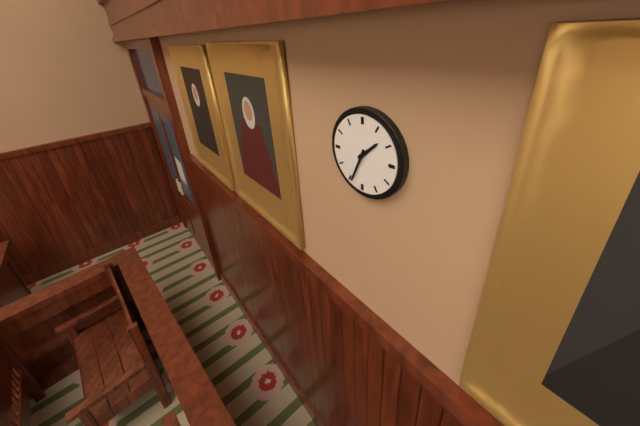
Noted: **1:34**
